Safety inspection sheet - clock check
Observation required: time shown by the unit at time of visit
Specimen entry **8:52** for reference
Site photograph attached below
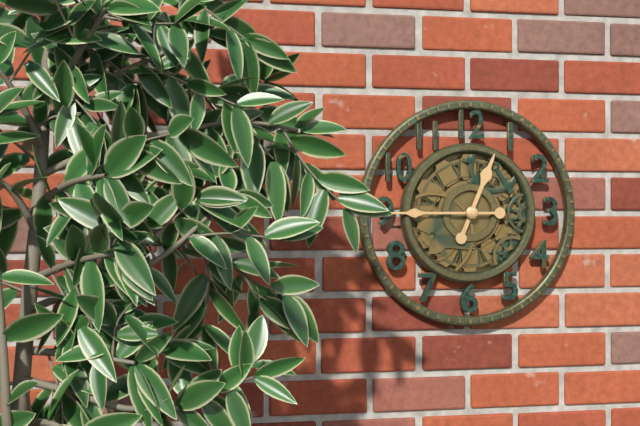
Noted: **12:45**
